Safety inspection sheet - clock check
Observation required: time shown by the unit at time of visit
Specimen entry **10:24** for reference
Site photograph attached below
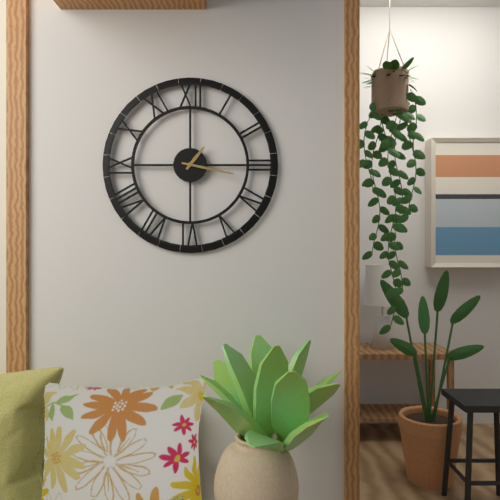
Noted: **1:17**
